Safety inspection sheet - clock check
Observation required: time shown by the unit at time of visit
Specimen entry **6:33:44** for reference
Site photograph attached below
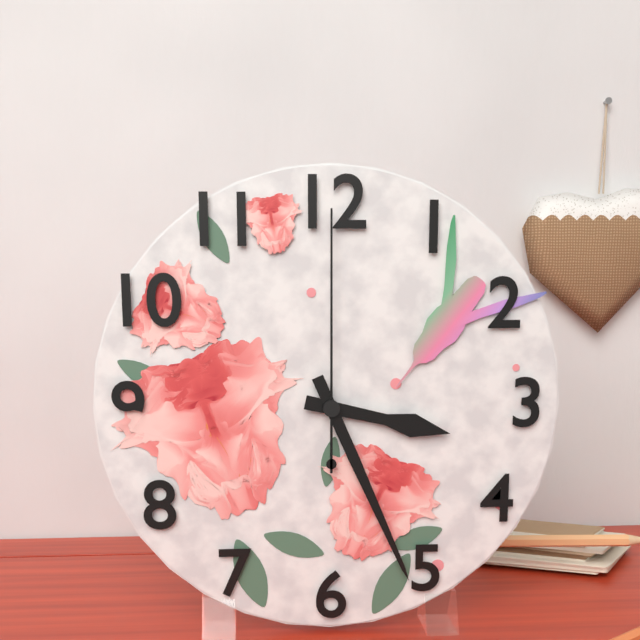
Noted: **3:26:00**
